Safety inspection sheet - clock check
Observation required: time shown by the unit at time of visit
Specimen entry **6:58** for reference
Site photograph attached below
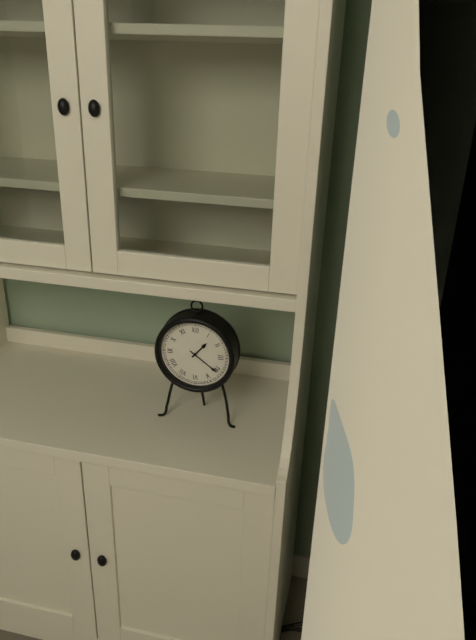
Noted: **1:21**
